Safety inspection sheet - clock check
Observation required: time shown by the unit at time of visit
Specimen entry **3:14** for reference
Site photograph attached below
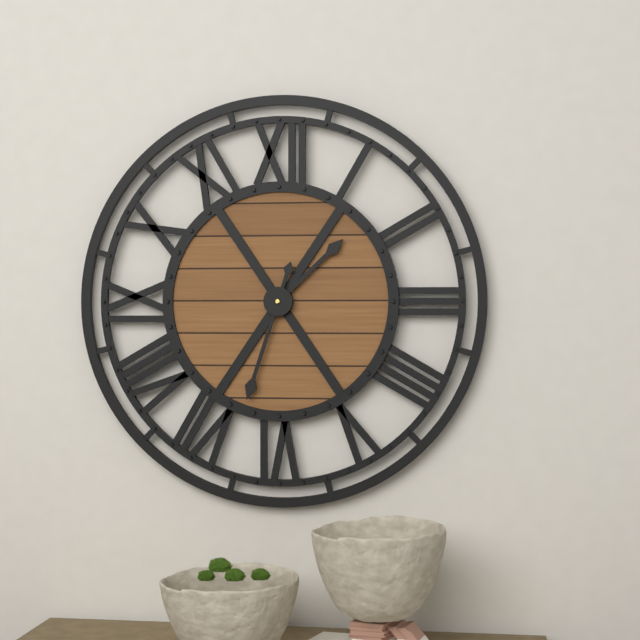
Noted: **1:33**
